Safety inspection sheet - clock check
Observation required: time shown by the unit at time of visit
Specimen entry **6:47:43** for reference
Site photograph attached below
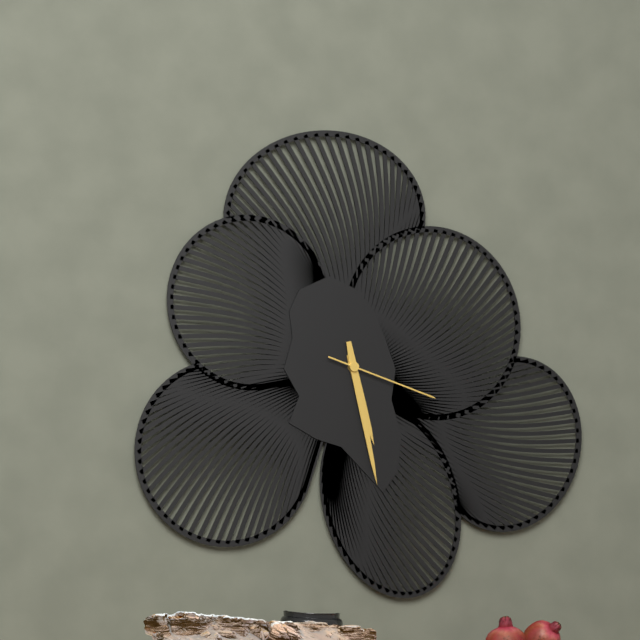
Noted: **5:28:18**
